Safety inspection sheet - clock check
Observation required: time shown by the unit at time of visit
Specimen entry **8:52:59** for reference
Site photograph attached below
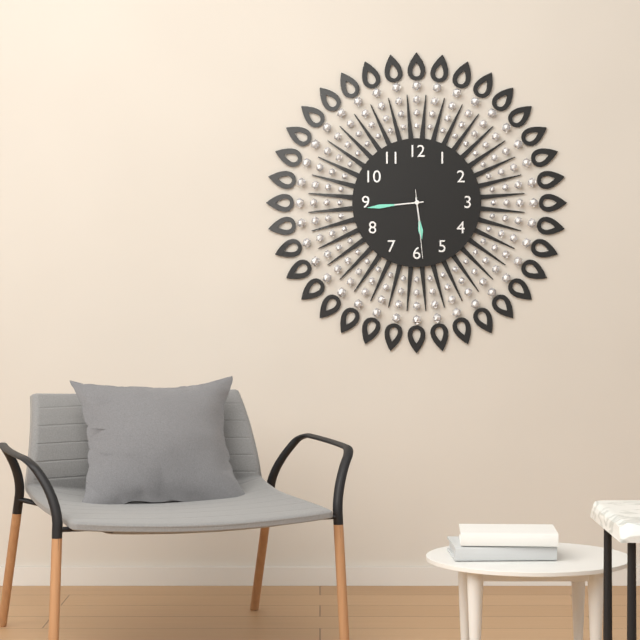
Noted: **5:44:29**
